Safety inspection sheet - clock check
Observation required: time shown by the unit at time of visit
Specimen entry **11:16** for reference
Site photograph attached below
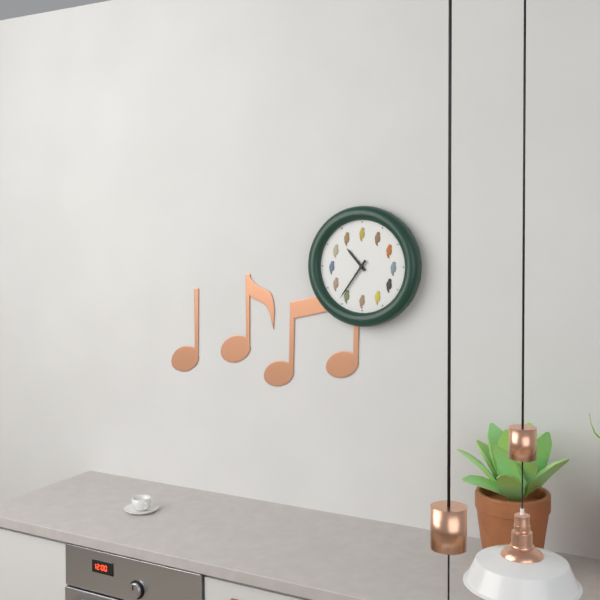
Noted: **10:36**
